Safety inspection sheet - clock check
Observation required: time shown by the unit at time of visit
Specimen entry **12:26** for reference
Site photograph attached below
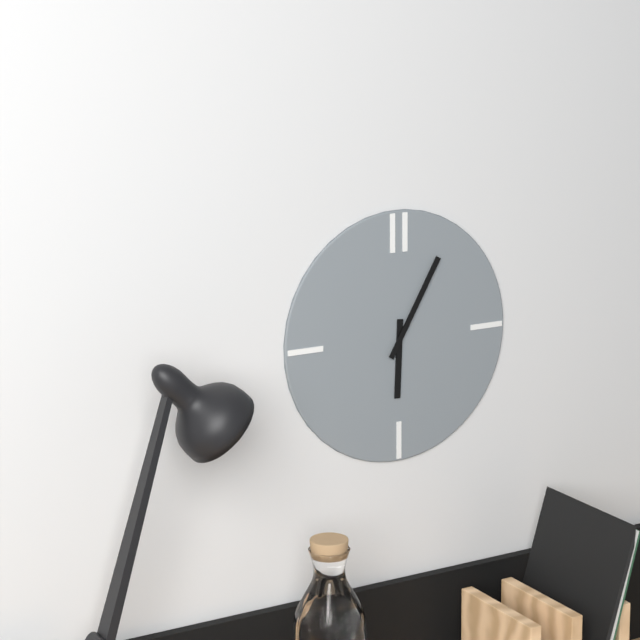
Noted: **6:05**
